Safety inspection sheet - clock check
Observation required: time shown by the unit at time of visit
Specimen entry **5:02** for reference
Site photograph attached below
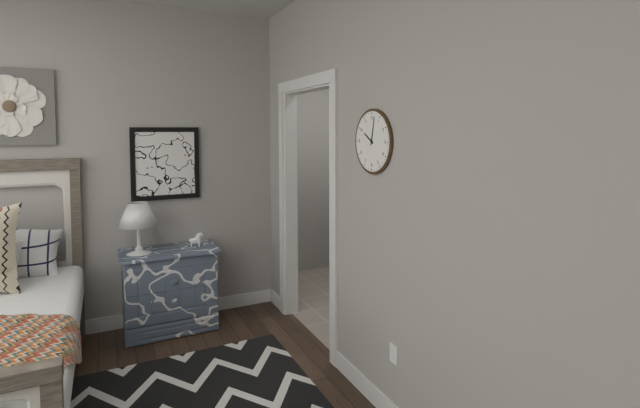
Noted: **10:02**
